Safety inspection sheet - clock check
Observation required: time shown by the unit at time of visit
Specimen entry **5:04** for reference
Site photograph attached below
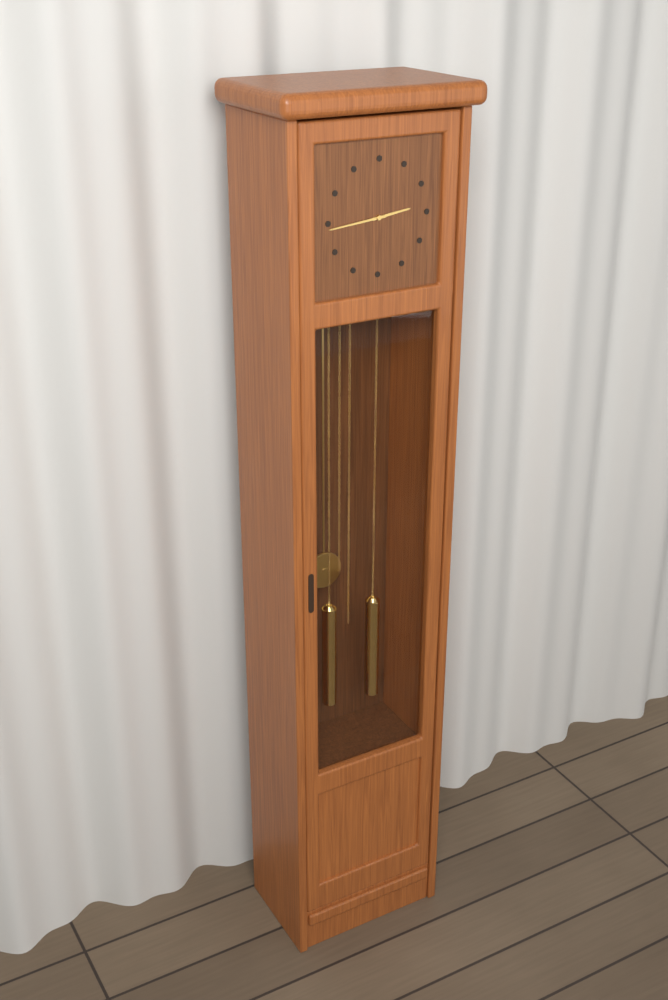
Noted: **2:44**
